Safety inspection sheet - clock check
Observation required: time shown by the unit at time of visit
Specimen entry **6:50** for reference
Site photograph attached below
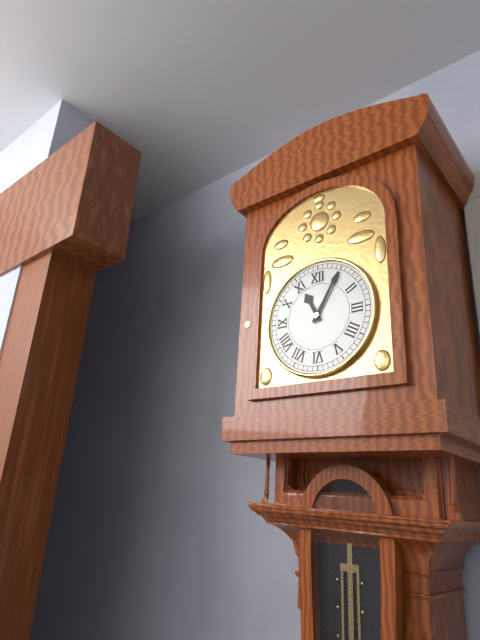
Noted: **11:05**
